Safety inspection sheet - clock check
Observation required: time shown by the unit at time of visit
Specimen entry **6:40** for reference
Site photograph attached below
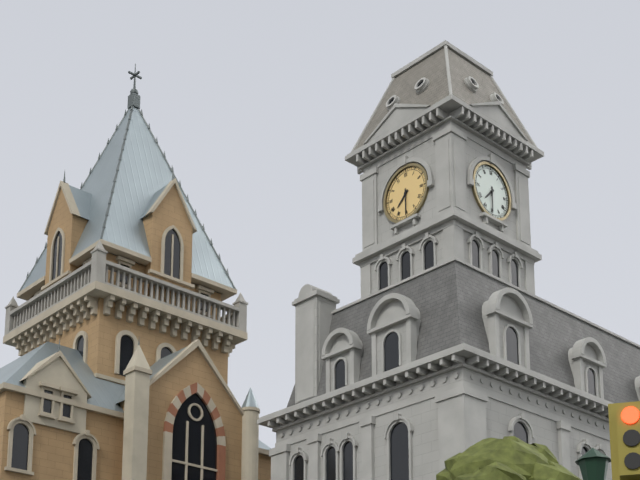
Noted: **7:30**
